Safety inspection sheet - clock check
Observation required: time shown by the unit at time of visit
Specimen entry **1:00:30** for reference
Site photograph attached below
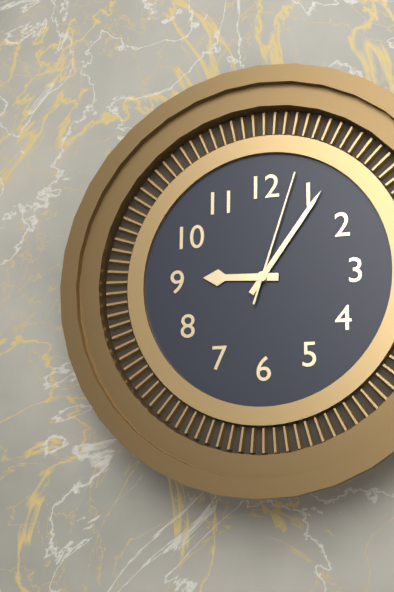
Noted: **9:06:03**
